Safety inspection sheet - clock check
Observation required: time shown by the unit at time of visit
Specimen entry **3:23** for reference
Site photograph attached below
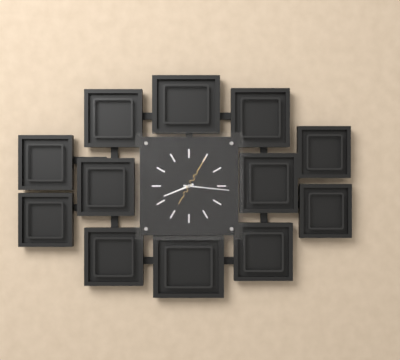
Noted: **8:16**
